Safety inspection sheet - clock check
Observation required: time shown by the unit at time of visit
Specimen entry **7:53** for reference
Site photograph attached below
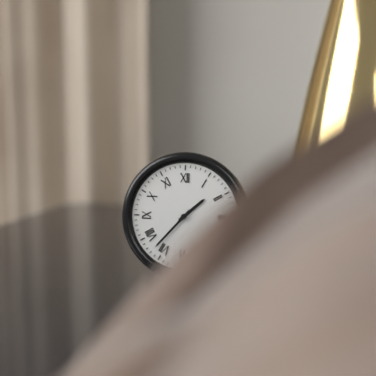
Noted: **1:37**
